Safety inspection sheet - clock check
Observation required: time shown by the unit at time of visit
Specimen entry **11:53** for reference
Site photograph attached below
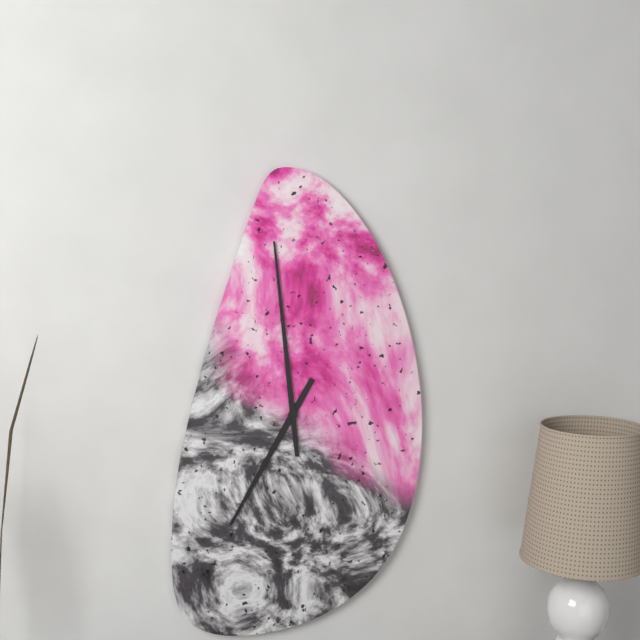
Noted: **6:59**
